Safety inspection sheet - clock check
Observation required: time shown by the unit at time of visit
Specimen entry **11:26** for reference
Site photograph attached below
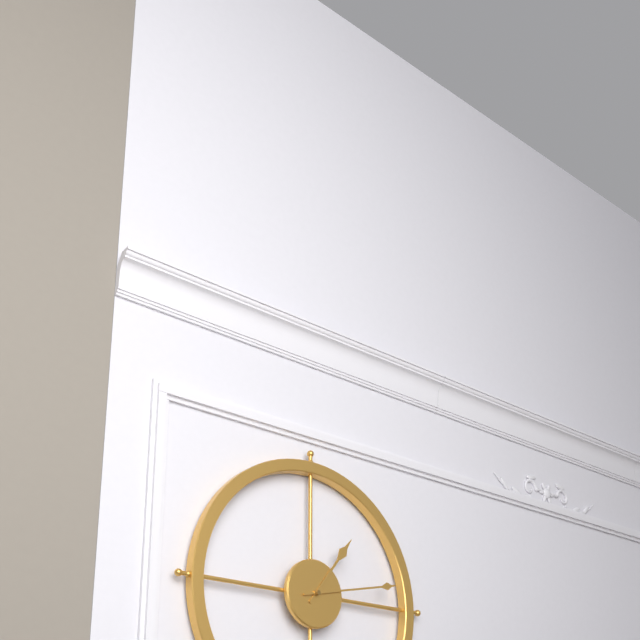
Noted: **1:13**
